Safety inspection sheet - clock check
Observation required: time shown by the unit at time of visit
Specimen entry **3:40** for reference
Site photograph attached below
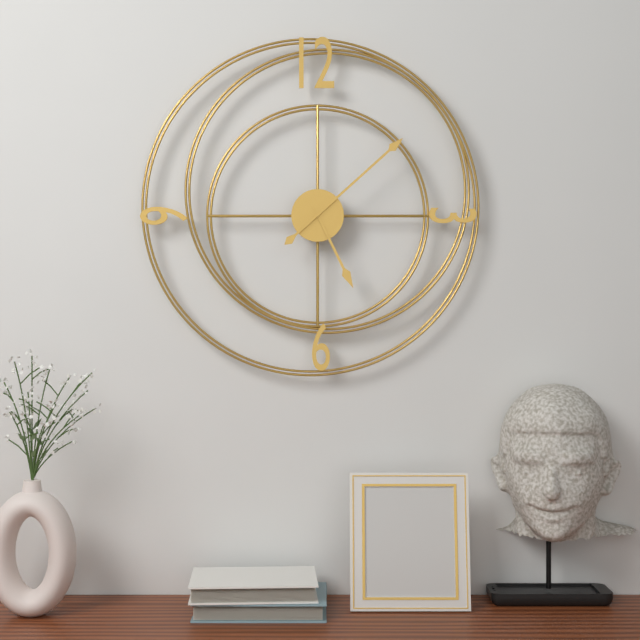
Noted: **5:08**
